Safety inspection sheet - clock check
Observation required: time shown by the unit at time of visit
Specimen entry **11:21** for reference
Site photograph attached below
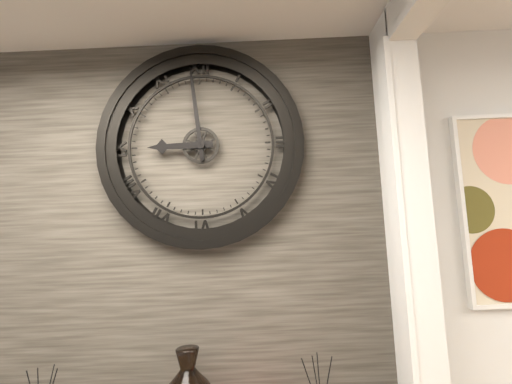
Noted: **8:59**
